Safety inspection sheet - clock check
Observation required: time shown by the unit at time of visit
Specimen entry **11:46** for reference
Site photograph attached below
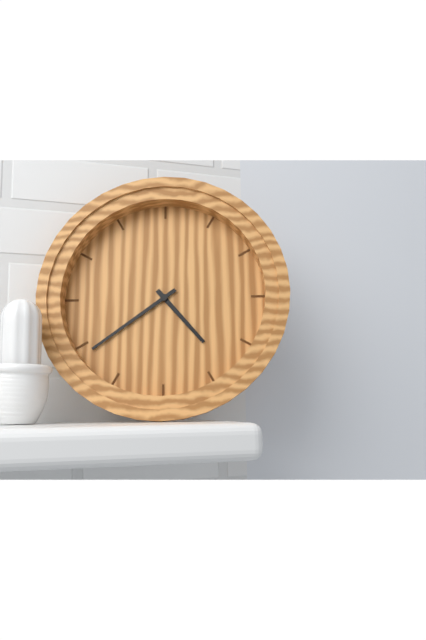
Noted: **4:39**
